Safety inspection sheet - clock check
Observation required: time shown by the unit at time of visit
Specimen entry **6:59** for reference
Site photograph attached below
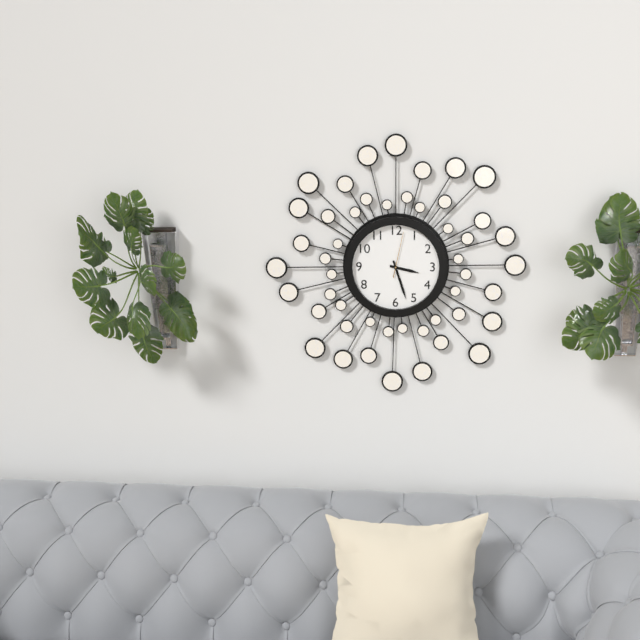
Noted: **3:27**
